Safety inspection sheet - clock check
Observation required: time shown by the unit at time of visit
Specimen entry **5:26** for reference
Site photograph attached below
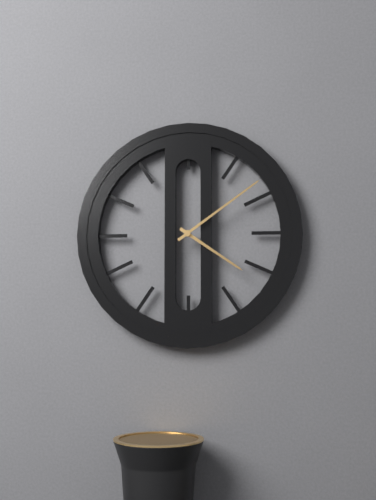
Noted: **4:09**
